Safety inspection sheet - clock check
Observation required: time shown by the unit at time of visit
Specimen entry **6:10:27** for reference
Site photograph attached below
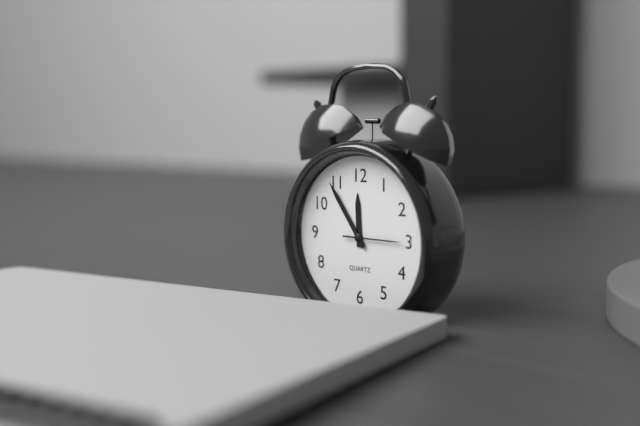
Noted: **11:54:15**
